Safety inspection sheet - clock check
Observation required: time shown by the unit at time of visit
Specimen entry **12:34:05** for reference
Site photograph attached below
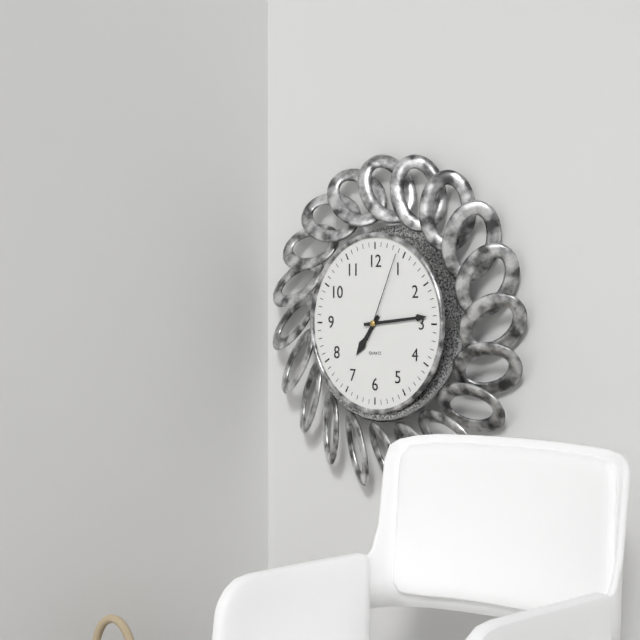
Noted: **7:14:04**
